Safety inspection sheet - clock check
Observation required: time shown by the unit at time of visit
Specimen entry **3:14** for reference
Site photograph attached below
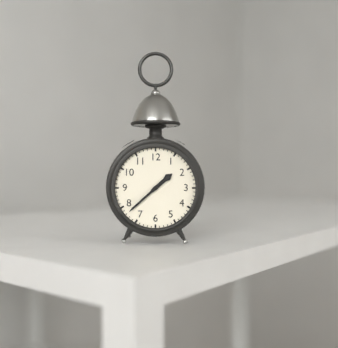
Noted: **1:38**
